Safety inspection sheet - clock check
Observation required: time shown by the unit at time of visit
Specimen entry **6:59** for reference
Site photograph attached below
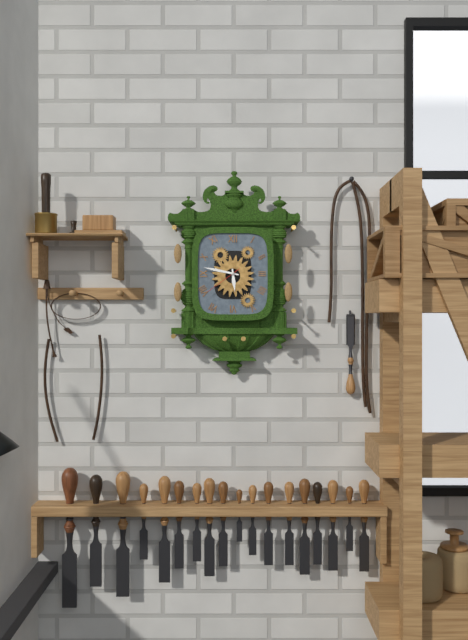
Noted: **5:47**
